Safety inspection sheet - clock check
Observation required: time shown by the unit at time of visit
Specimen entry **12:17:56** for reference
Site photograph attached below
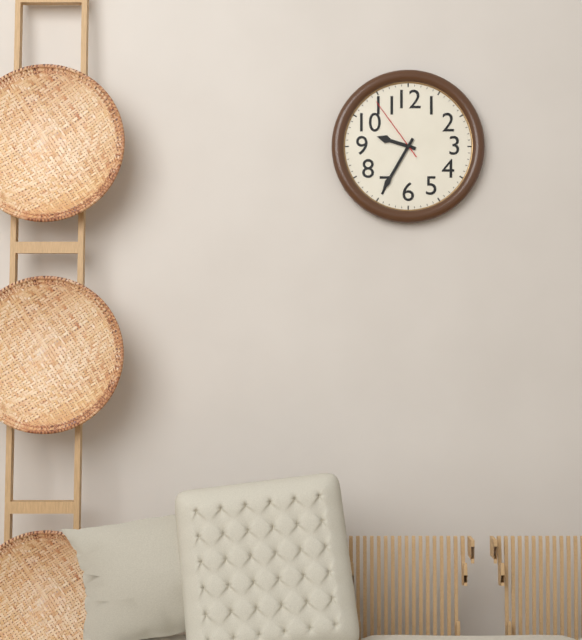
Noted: **9:35:54**
